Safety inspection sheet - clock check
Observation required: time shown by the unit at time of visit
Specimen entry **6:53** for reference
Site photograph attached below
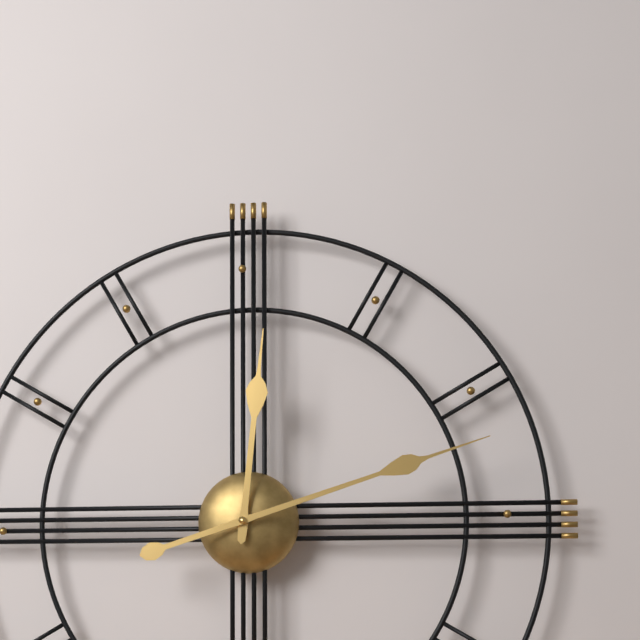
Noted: **12:12**
